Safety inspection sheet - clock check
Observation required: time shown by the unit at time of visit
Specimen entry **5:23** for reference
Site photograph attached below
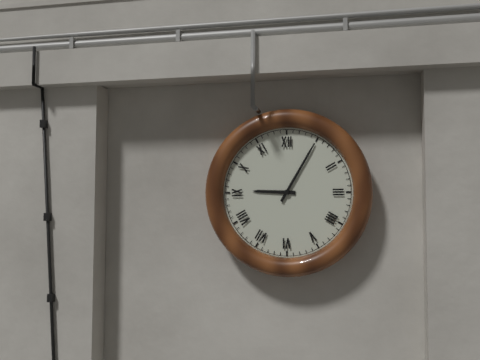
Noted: **9:05**
